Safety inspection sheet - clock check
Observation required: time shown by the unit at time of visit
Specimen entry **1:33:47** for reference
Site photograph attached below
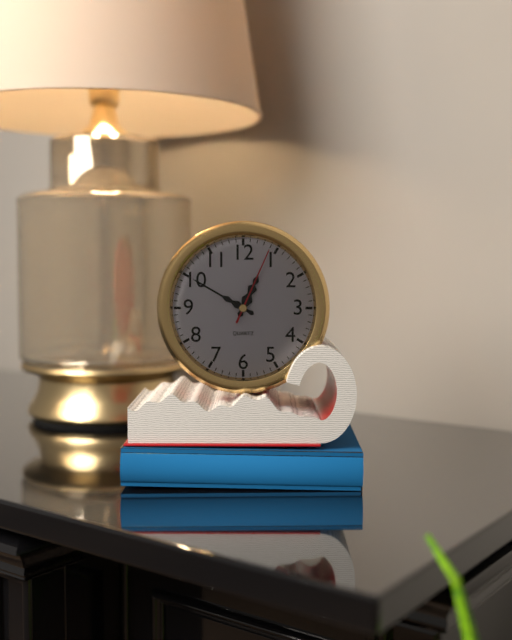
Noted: **12:50:04**
